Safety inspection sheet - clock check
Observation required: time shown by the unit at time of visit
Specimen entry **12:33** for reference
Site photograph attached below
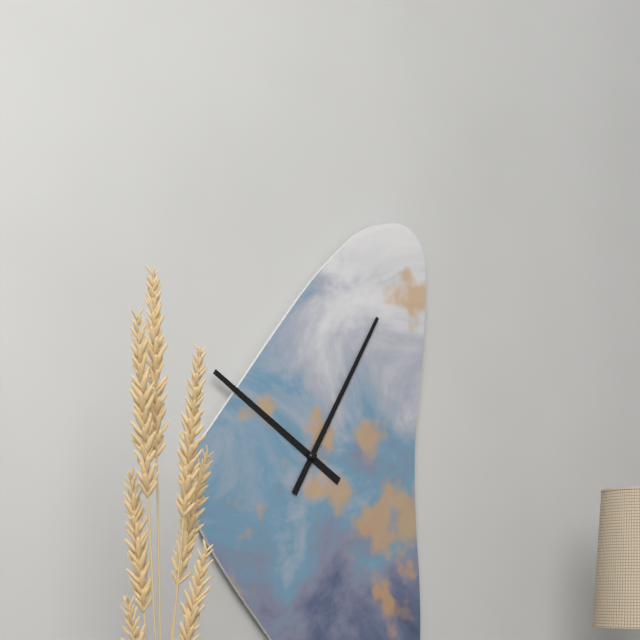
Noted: **10:05**
